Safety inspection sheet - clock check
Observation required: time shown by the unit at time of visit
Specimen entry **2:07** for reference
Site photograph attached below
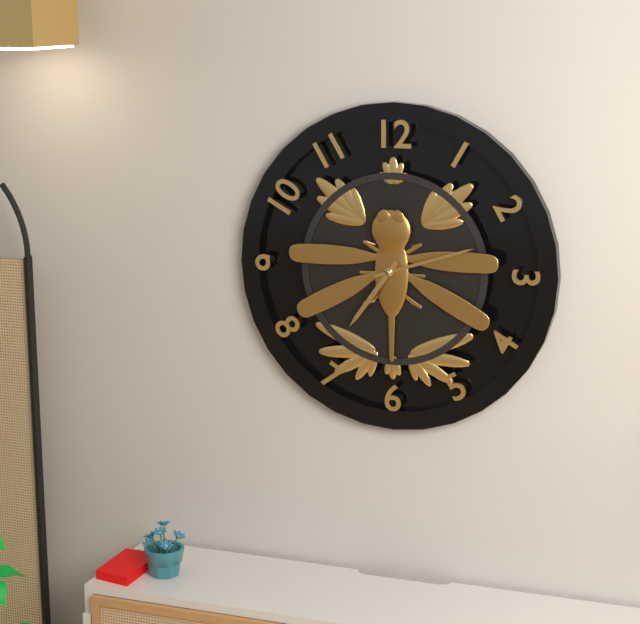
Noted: **7:12**
